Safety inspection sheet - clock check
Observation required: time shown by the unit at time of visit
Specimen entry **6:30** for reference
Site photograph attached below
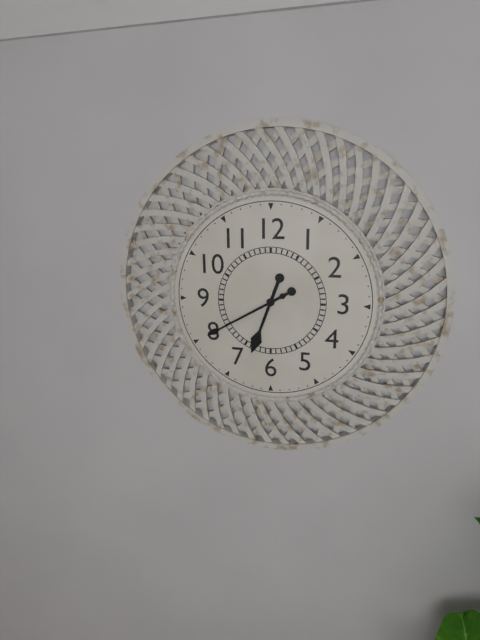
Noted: **6:40**
